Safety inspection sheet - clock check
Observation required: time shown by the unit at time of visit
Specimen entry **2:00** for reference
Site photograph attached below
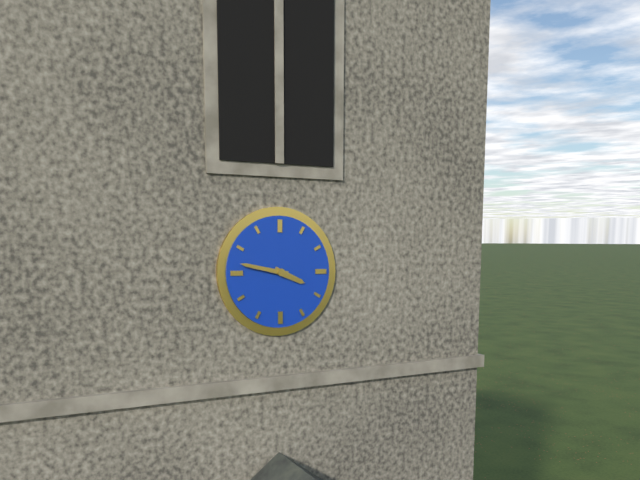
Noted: **3:47**
